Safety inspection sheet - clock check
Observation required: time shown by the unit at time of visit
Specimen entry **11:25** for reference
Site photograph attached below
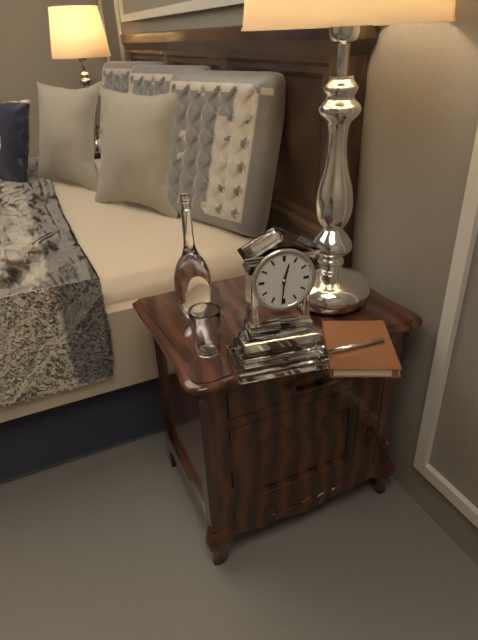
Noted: **12:31**
